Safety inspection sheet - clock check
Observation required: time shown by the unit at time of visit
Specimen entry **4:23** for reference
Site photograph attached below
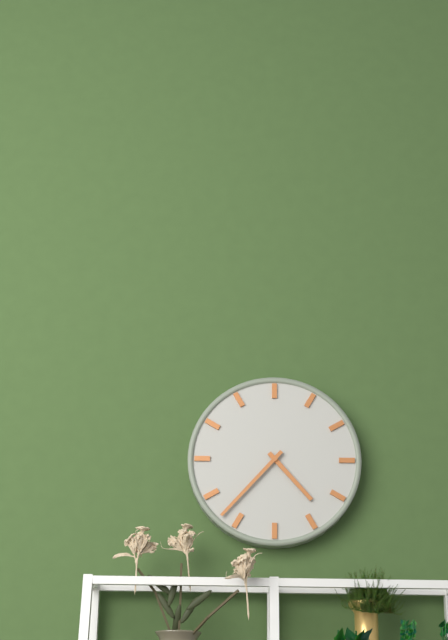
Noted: **4:37**
